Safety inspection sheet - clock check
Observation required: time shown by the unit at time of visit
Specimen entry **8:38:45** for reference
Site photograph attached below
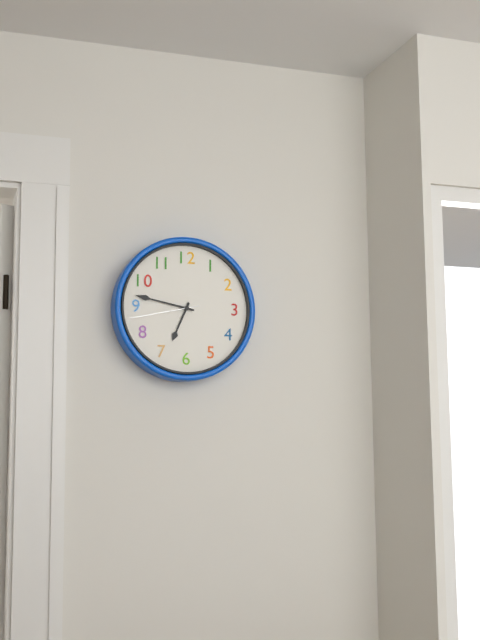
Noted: **6:47:43**
